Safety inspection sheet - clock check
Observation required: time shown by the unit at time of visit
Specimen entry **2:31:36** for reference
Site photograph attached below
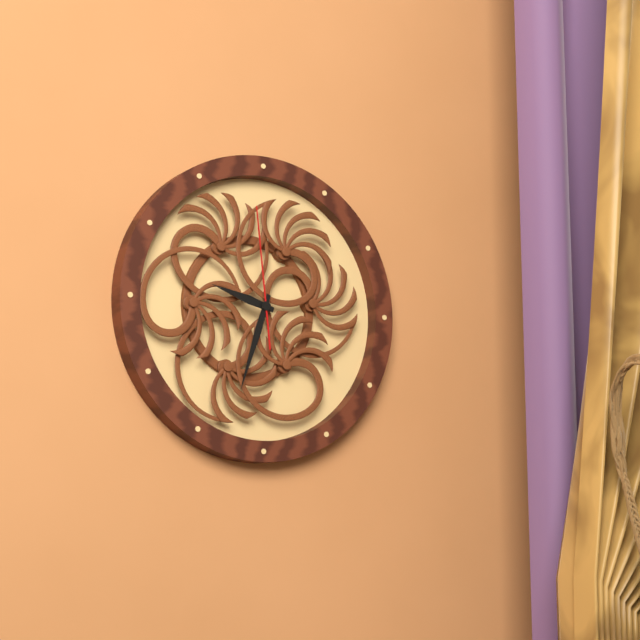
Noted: **9:33:59**
